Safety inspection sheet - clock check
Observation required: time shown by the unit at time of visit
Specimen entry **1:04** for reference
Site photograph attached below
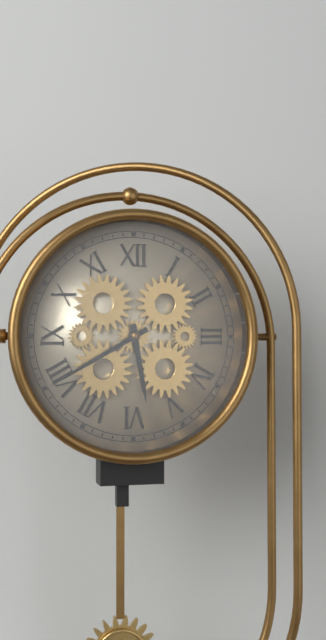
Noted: **5:40**
